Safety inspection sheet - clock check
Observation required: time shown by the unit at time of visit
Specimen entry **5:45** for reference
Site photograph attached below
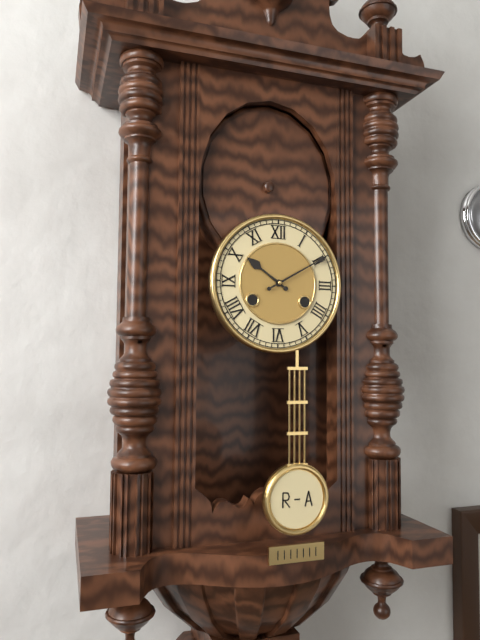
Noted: **10:10**
